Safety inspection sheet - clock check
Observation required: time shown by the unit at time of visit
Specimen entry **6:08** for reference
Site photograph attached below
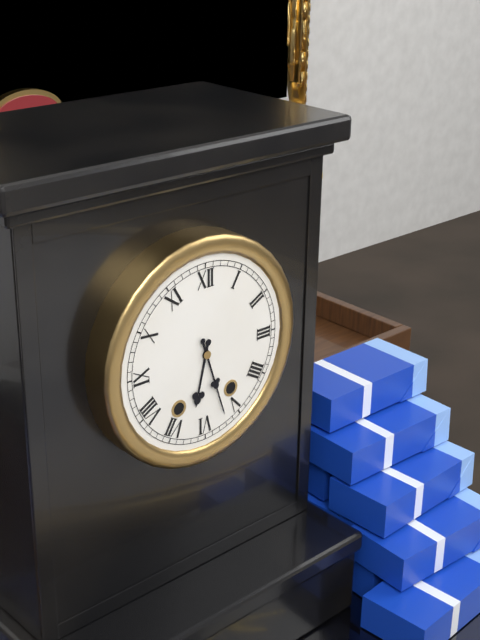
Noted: **6:27**
